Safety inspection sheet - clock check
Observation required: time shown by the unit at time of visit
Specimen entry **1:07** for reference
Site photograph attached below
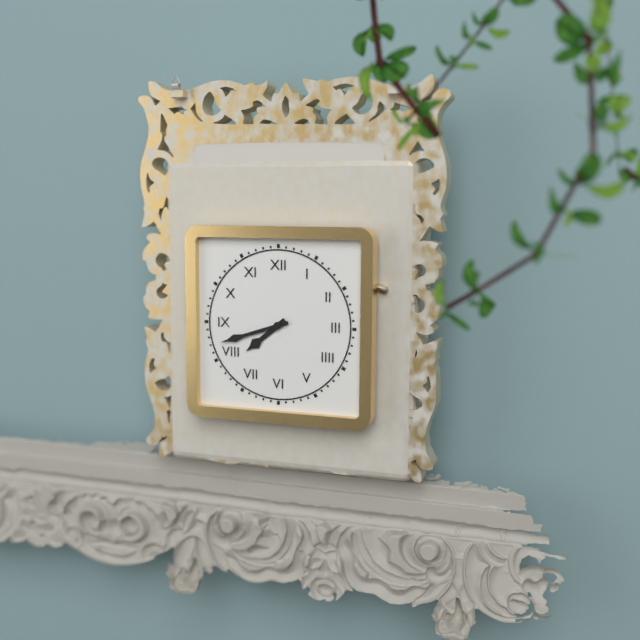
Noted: **7:42**
